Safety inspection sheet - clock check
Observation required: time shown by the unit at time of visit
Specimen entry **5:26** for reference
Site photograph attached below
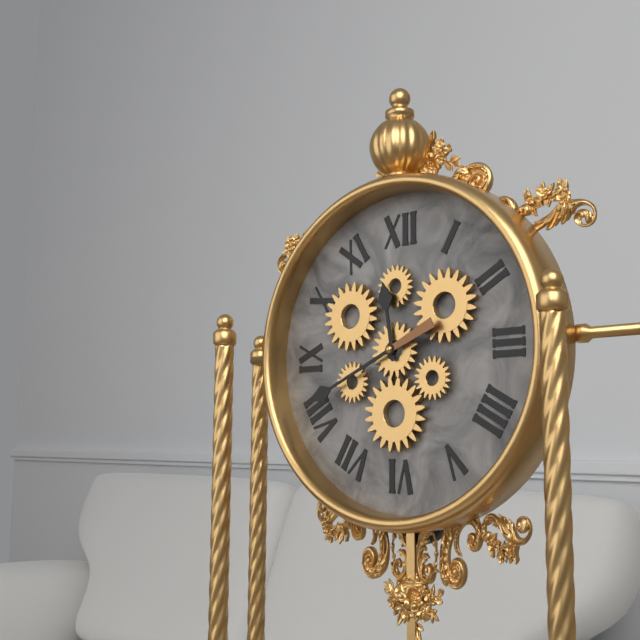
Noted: **11:41**
